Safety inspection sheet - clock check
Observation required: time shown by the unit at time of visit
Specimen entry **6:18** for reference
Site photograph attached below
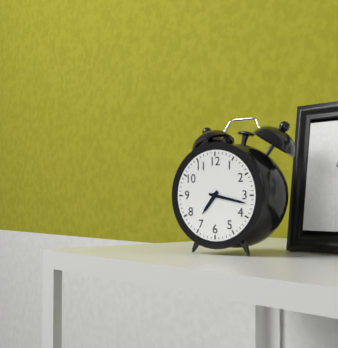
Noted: **7:17**
